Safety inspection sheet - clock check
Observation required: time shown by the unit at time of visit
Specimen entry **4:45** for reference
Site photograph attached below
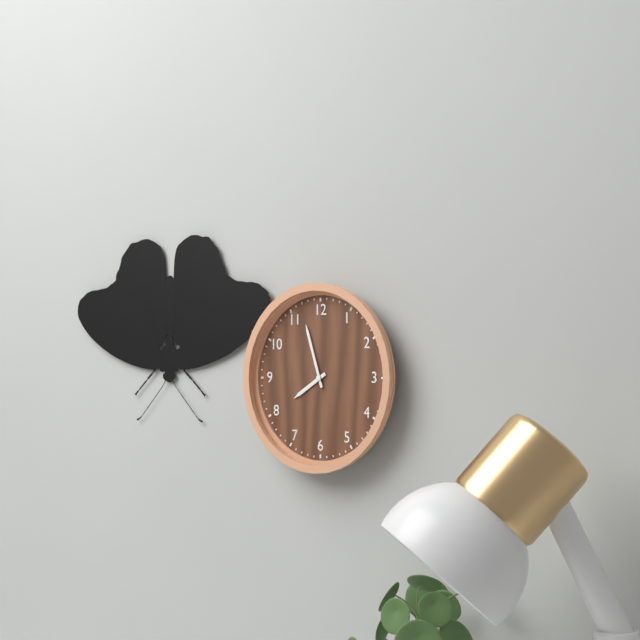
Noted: **7:57**
